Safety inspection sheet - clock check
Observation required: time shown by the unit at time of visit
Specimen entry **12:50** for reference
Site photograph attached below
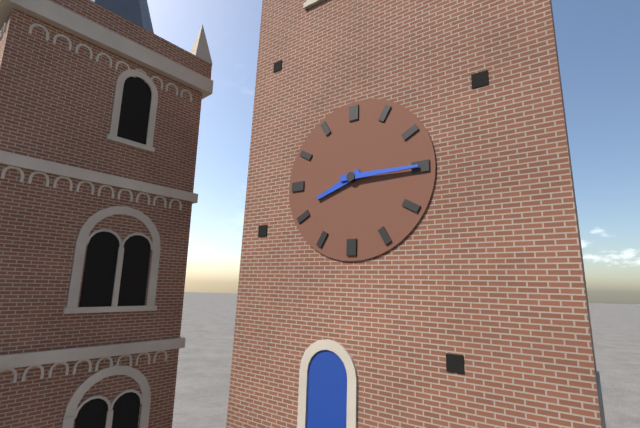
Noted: **8:15**
